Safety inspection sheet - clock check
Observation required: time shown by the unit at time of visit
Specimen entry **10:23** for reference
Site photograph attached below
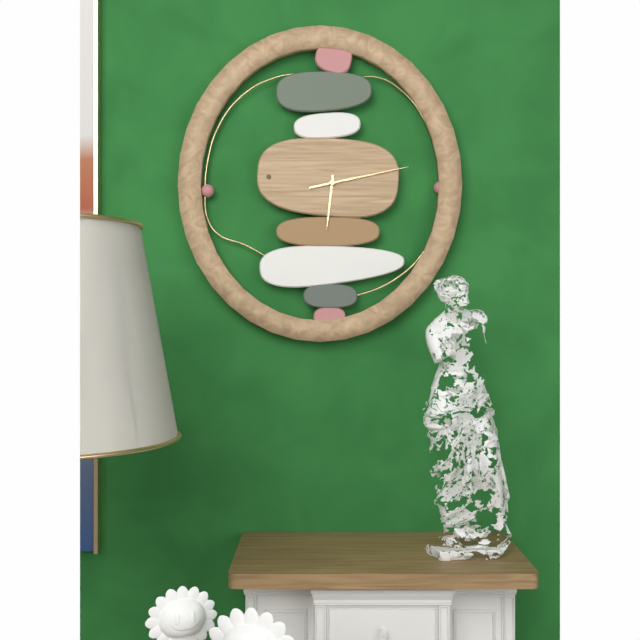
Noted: **6:13**
